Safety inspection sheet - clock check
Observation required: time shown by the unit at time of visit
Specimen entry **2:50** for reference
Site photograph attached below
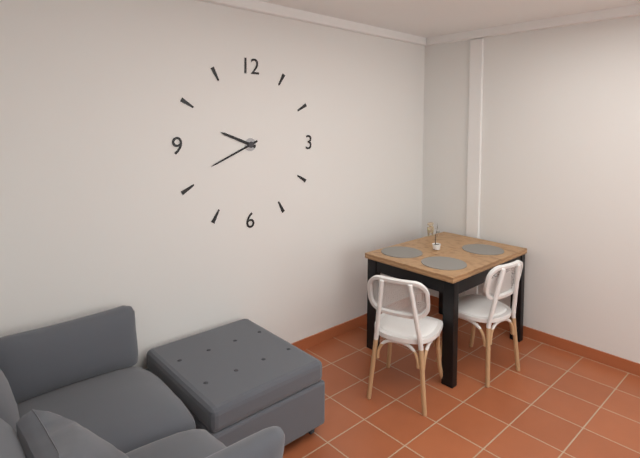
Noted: **9:41**
